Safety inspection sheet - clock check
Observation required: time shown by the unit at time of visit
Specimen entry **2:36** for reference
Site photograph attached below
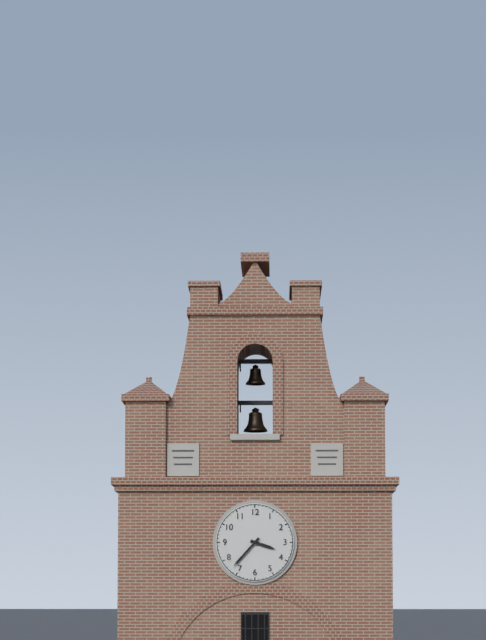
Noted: **3:37**
